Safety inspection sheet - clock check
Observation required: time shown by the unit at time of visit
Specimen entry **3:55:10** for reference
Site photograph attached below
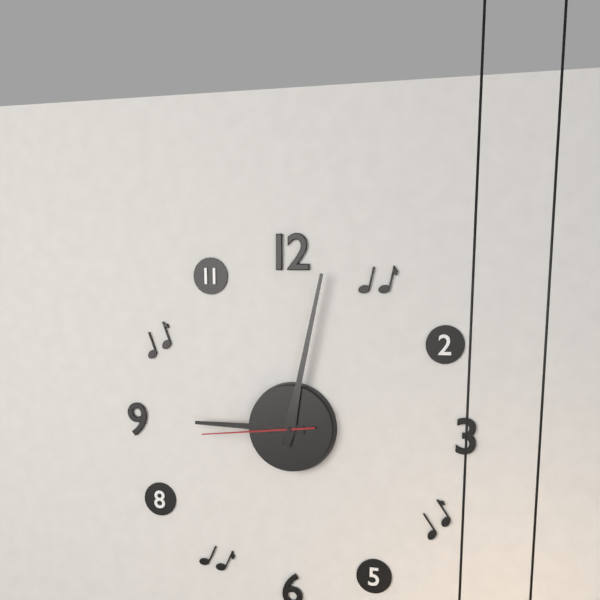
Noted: **9:02:44**
